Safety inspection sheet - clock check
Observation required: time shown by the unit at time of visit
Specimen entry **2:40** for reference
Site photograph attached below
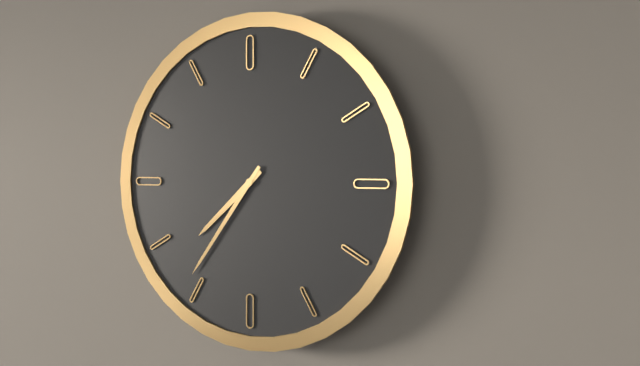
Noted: **7:36**
